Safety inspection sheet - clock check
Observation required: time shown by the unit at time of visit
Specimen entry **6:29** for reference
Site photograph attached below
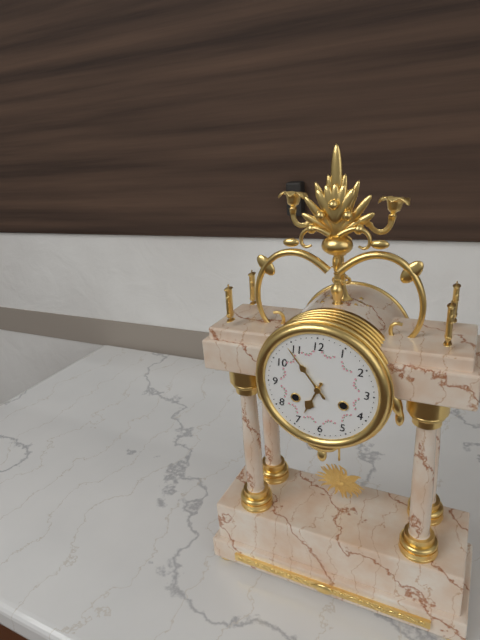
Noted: **6:54**
